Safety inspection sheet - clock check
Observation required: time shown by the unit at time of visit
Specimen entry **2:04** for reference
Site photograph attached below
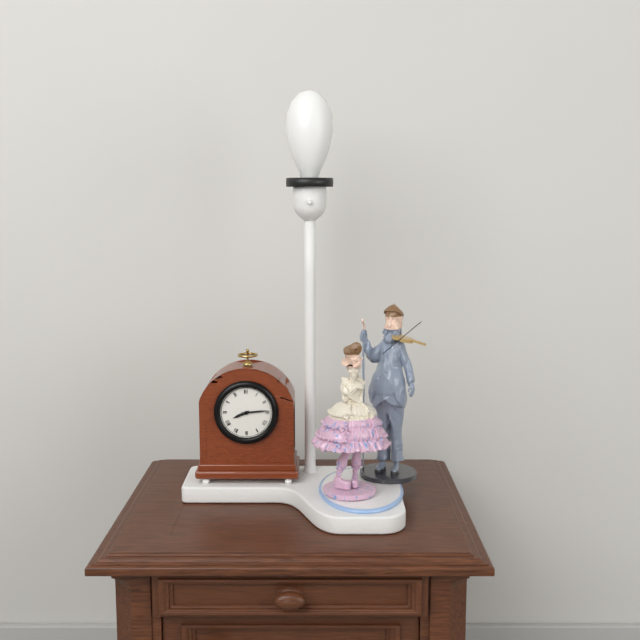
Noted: **8:14**
